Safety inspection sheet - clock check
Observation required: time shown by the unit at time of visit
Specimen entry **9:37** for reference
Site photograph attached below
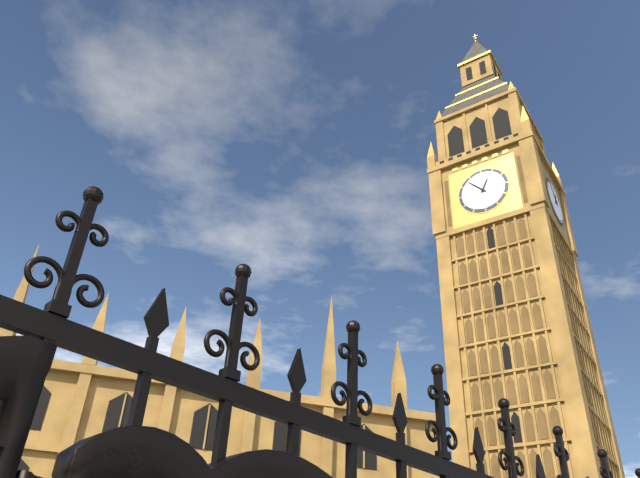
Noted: **12:53**
